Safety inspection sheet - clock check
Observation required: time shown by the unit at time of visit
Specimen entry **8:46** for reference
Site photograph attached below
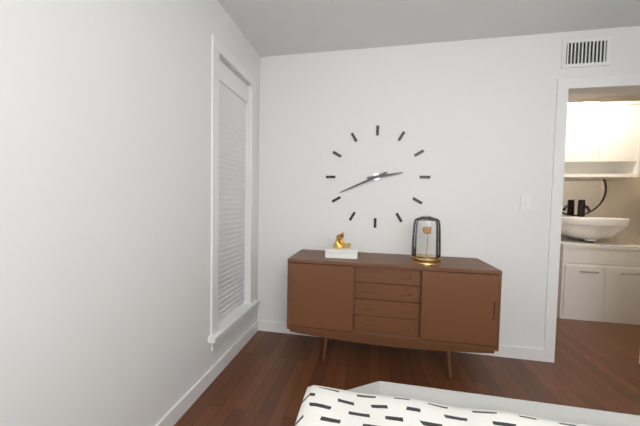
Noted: **2:41**
